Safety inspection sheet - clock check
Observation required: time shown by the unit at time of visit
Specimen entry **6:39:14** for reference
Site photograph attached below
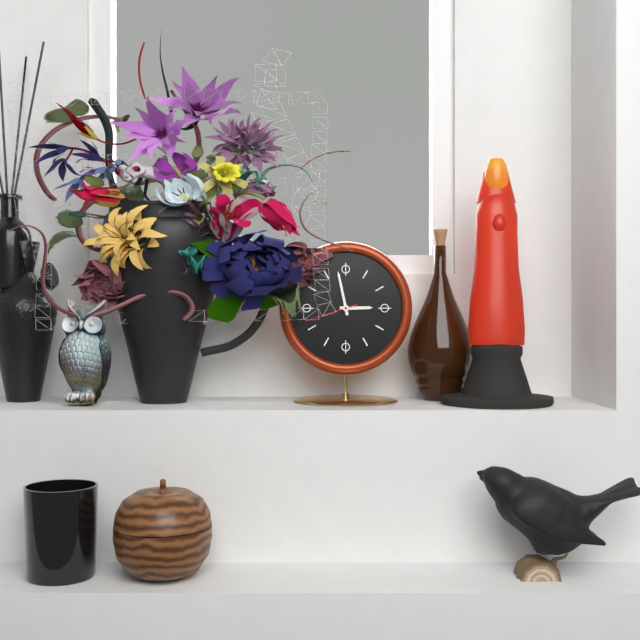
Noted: **2:58:42**
